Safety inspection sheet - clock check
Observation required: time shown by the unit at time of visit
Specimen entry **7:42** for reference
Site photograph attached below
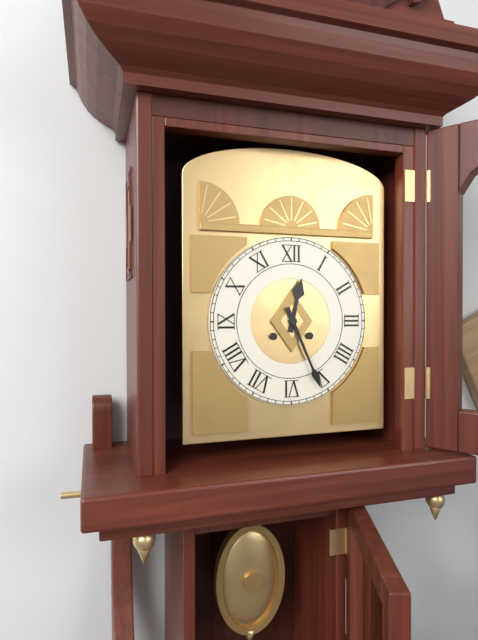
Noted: **12:26**
